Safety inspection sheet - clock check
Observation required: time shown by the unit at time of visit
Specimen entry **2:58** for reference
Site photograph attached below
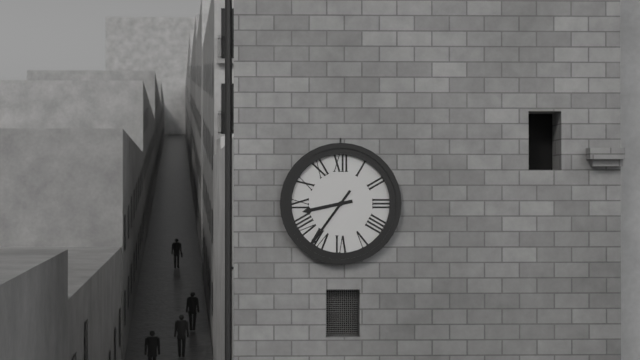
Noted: **8:36**
